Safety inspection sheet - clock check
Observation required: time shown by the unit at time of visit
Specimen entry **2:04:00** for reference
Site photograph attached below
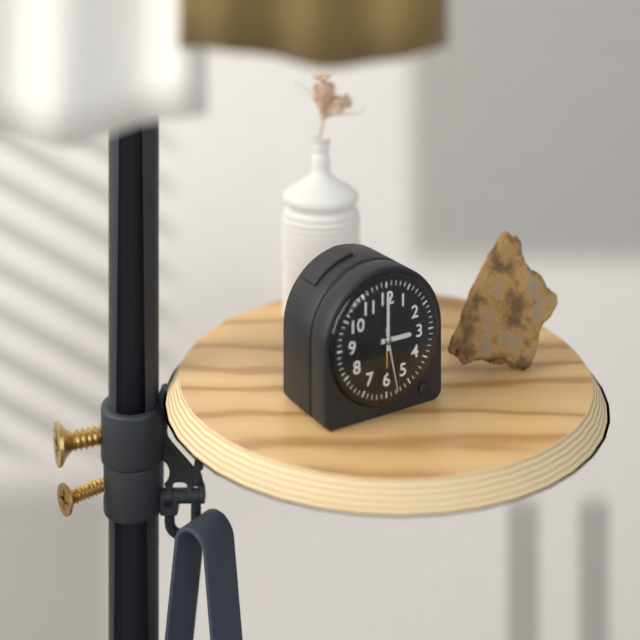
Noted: **3:00:28**
